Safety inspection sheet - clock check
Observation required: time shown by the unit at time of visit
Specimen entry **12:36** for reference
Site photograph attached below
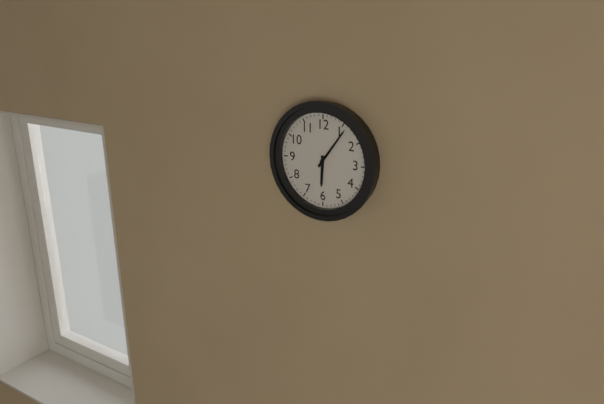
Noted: **6:06**
